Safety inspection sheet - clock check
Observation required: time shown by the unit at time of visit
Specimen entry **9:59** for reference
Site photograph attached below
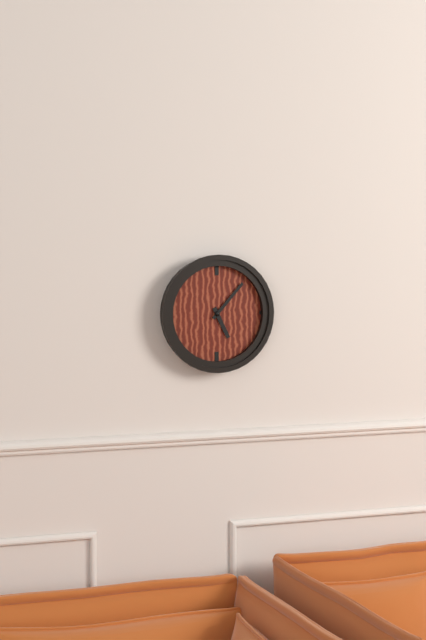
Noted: **5:07**
